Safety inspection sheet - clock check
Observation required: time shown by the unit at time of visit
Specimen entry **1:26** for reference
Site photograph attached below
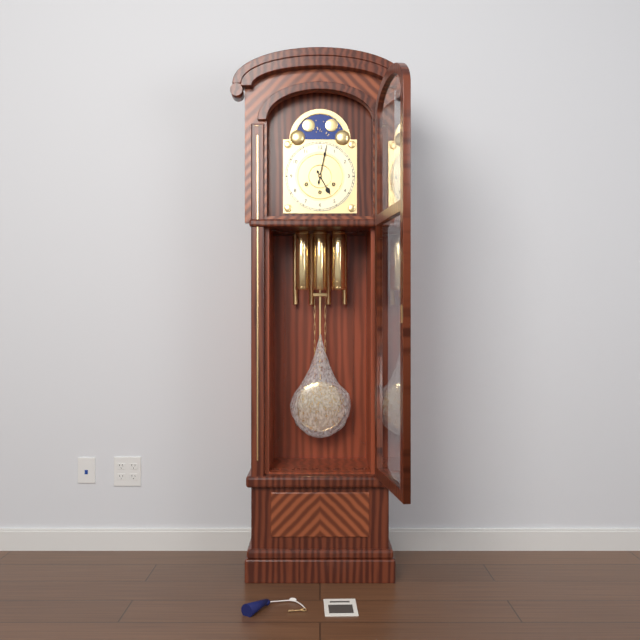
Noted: **5:02**
